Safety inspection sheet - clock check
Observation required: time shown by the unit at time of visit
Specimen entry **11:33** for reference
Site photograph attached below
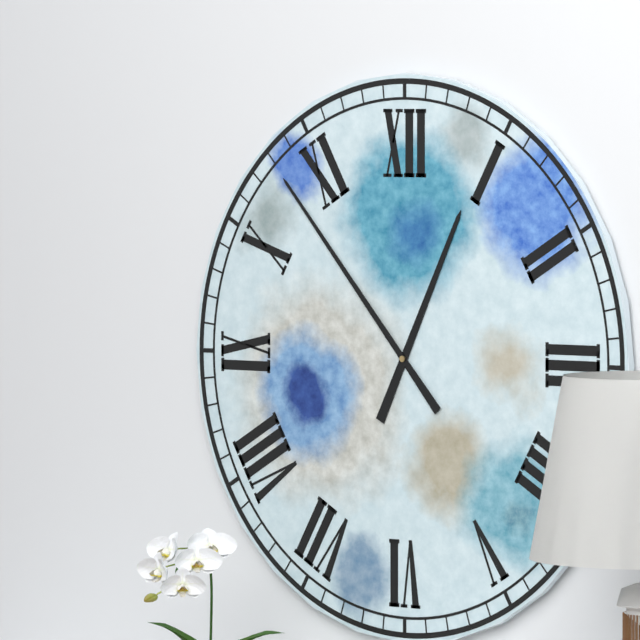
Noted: **12:53**
